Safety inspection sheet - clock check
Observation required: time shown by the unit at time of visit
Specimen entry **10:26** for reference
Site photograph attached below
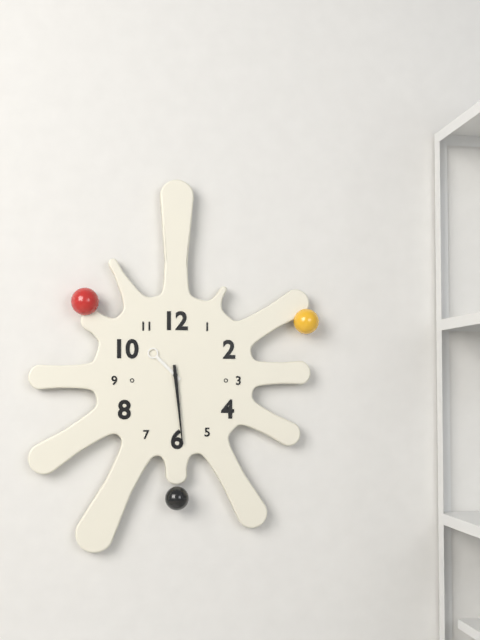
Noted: **10:29**
